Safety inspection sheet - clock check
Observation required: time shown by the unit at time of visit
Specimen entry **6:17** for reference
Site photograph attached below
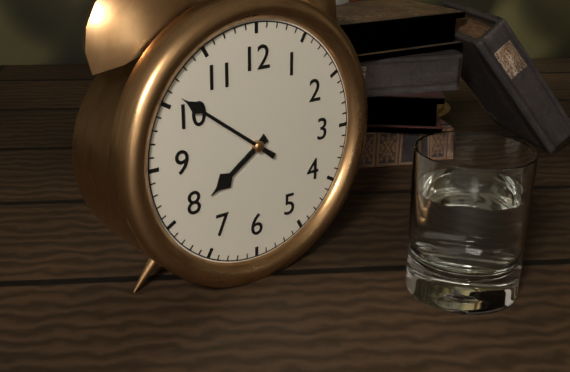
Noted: **7:51**
